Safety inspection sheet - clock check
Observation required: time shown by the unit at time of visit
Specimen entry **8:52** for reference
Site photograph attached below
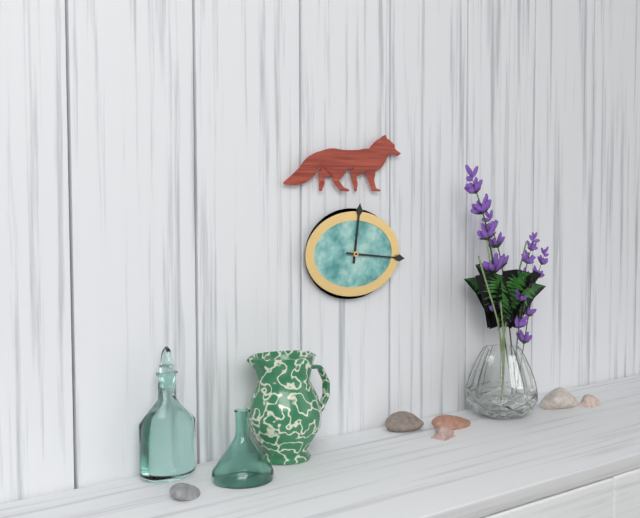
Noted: **12:16**
